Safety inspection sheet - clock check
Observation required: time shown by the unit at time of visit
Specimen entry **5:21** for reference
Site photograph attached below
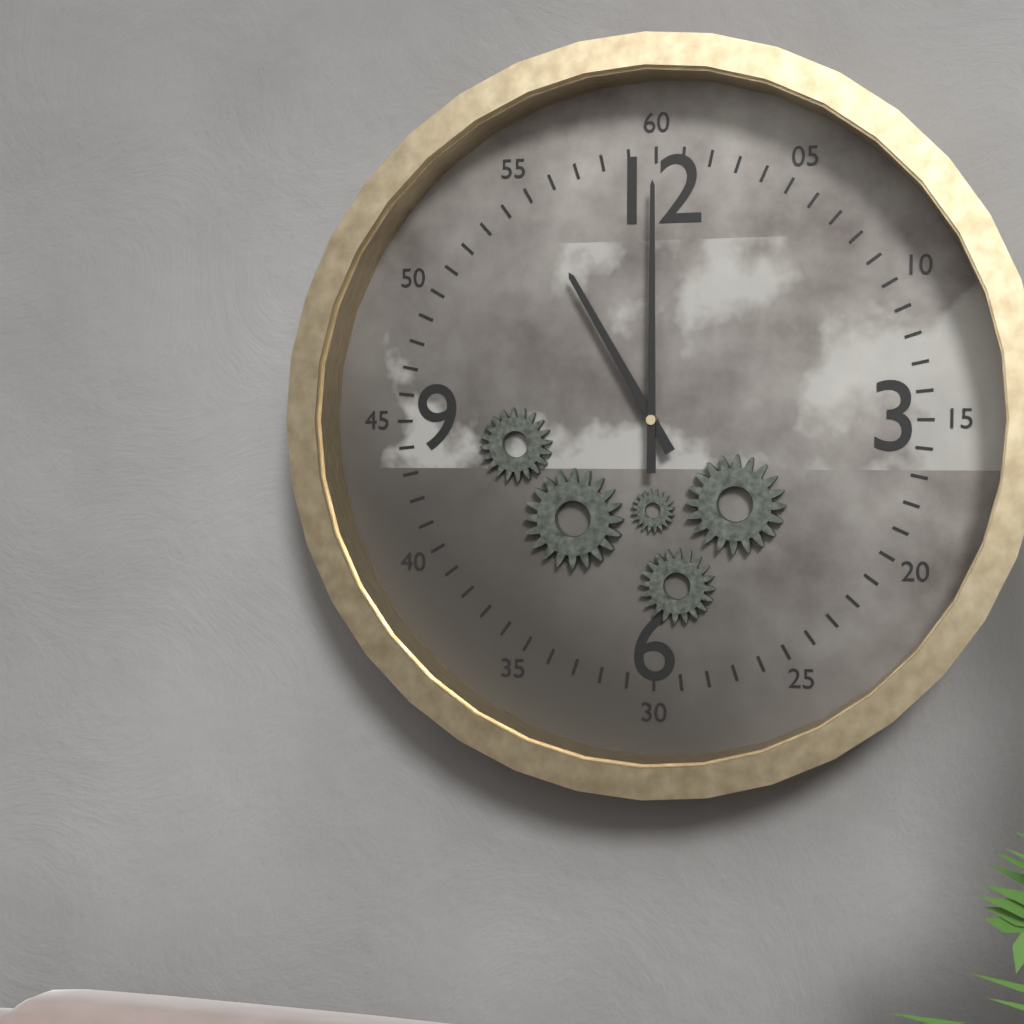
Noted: **11:00**
